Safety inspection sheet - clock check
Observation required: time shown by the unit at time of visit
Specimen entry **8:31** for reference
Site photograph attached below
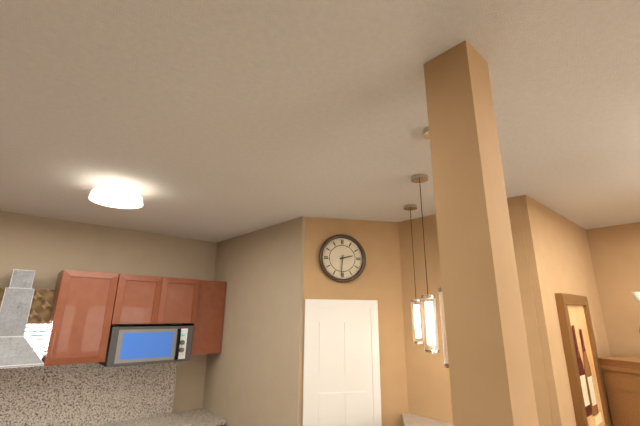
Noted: **2:31**
